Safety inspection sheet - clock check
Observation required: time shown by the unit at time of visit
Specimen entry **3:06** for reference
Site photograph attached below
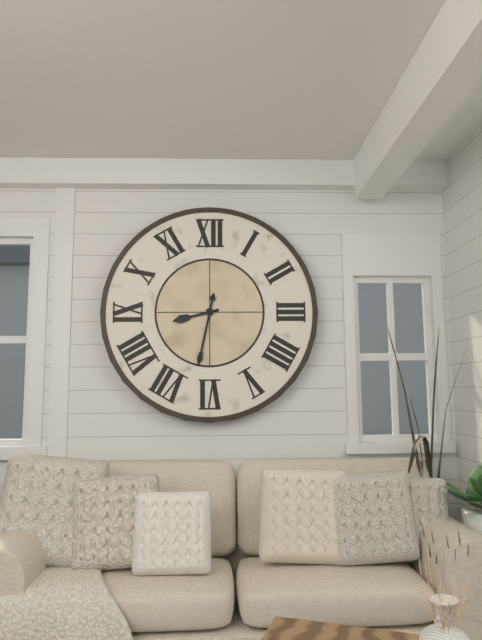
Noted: **8:32**
